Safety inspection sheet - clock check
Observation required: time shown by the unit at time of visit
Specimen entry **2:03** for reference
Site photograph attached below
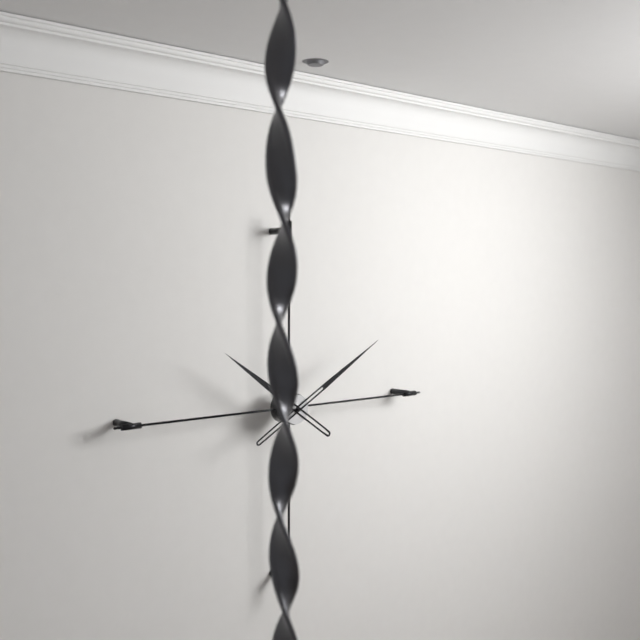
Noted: **10:10**
